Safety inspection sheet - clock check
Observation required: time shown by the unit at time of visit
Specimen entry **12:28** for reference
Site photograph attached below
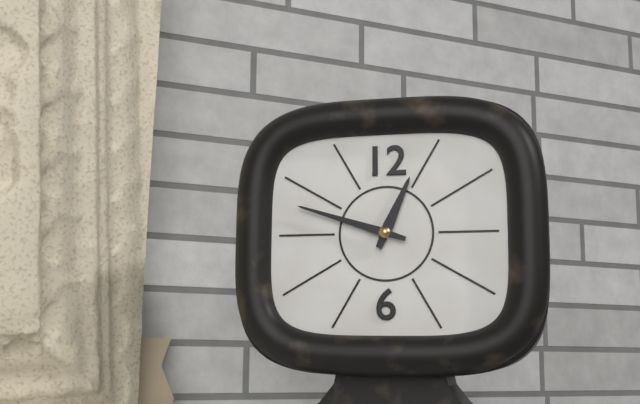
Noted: **12:48**
